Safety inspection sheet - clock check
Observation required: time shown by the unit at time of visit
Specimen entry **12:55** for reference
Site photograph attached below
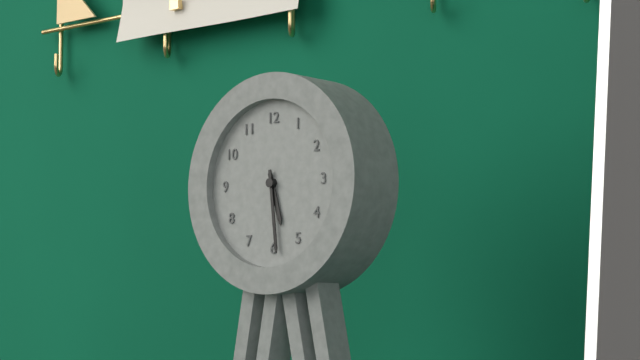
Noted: **5:29**
